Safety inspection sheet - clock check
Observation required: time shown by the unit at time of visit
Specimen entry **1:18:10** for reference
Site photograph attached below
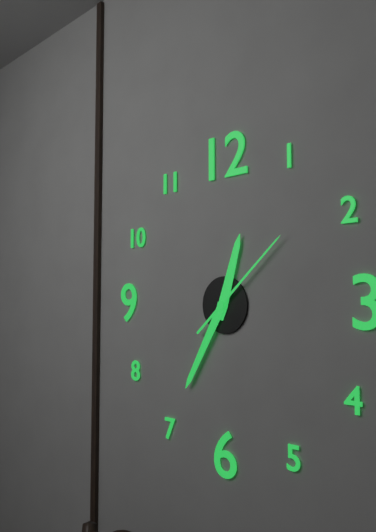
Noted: **12:35:08**
